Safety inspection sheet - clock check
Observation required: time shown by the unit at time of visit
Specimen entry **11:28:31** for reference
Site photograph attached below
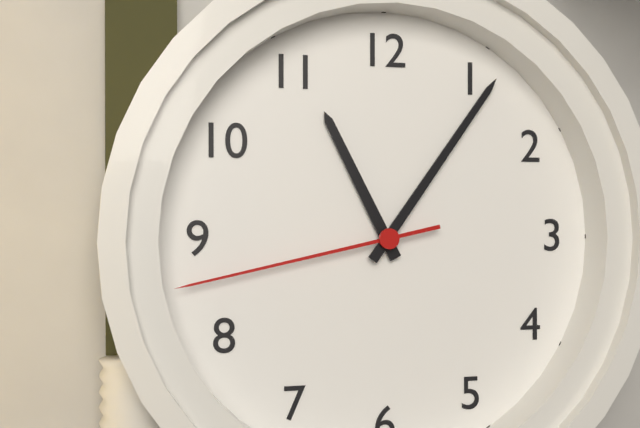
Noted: **11:06:43**
